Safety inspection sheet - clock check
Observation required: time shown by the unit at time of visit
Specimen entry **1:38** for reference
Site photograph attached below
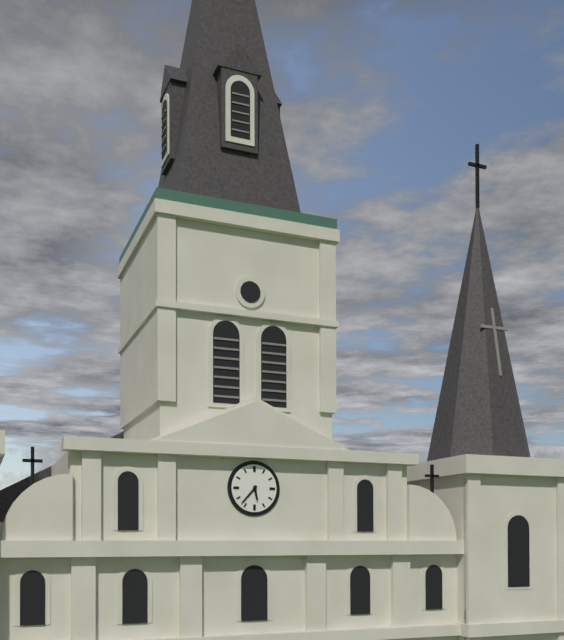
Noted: **5:37**
